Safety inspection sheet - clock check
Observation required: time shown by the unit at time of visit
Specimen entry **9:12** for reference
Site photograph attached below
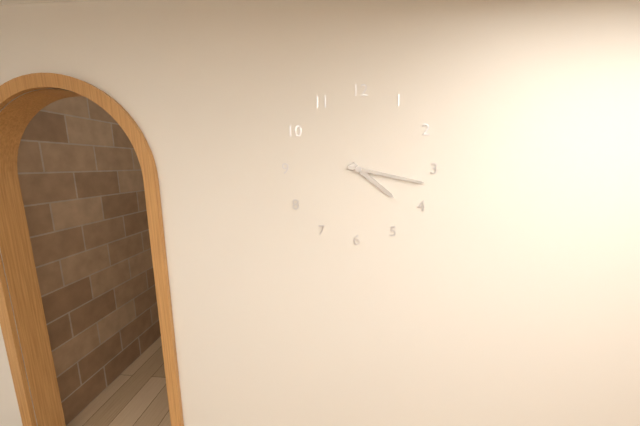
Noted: **4:17**
